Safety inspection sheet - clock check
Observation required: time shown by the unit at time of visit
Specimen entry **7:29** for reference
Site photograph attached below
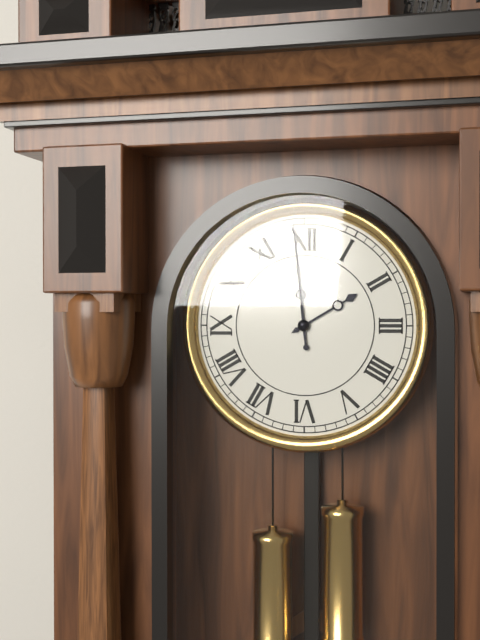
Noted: **1:59**
